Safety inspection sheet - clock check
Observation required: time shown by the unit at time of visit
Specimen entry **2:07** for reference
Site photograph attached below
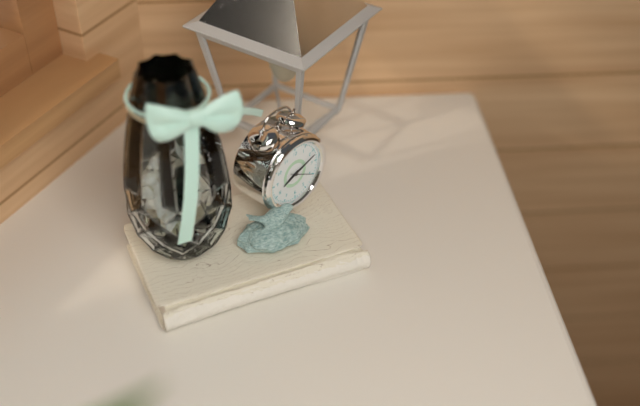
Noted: **8:12**
